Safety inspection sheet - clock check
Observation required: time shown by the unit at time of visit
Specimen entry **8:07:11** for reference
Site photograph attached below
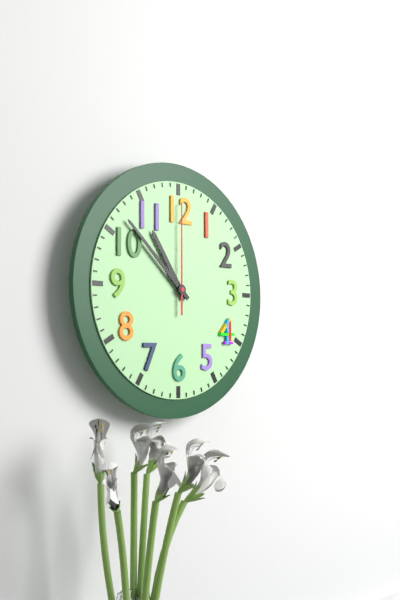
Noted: **10:52:00**
